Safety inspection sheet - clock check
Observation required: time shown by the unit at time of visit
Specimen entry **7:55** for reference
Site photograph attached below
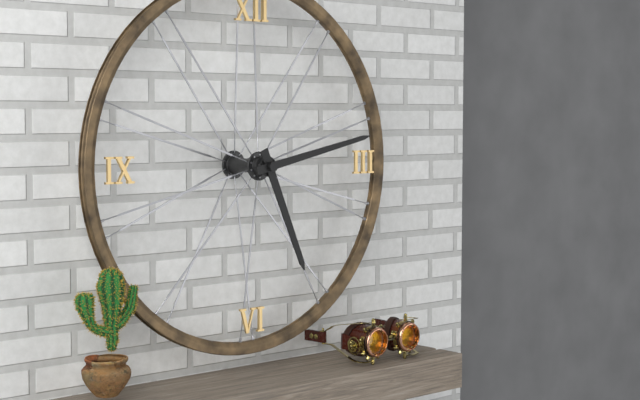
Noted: **5:13**
